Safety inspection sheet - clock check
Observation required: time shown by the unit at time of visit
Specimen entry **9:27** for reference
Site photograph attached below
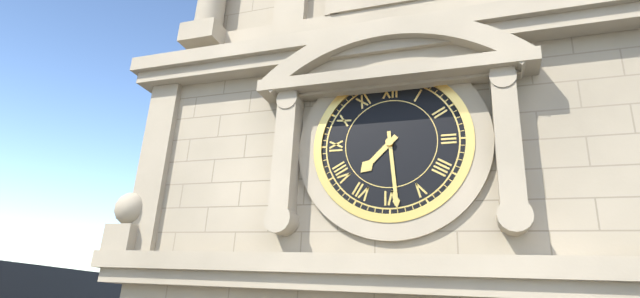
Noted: **7:29**
